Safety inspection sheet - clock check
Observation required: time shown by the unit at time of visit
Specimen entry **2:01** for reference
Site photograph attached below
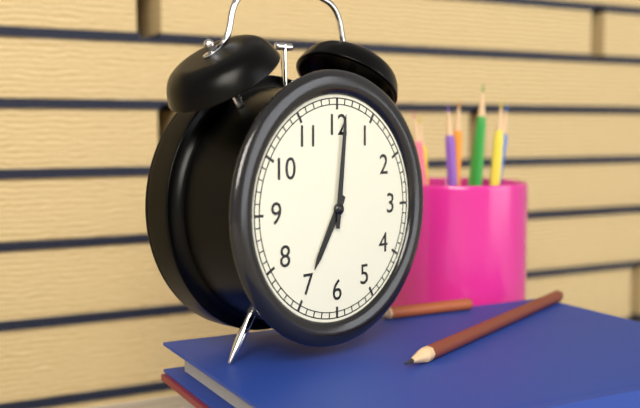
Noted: **7:01**
